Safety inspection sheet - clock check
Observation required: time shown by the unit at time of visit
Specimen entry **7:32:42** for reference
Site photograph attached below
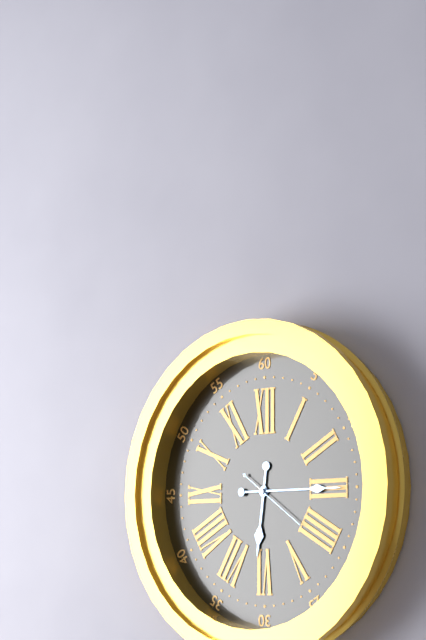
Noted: **6:15:21**
